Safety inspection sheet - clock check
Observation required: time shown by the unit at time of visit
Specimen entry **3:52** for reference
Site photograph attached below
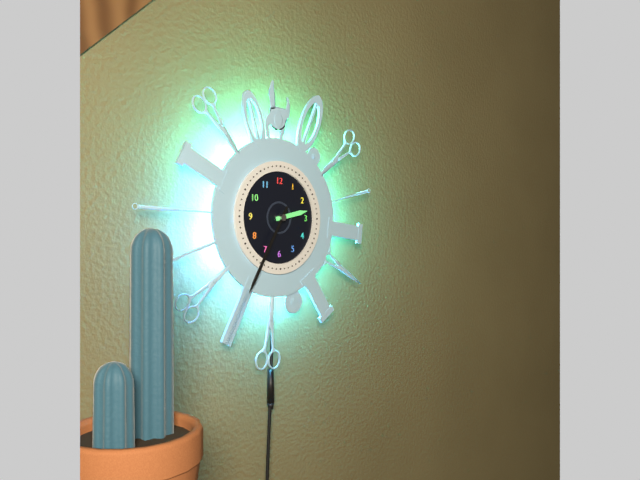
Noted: **2:35**
